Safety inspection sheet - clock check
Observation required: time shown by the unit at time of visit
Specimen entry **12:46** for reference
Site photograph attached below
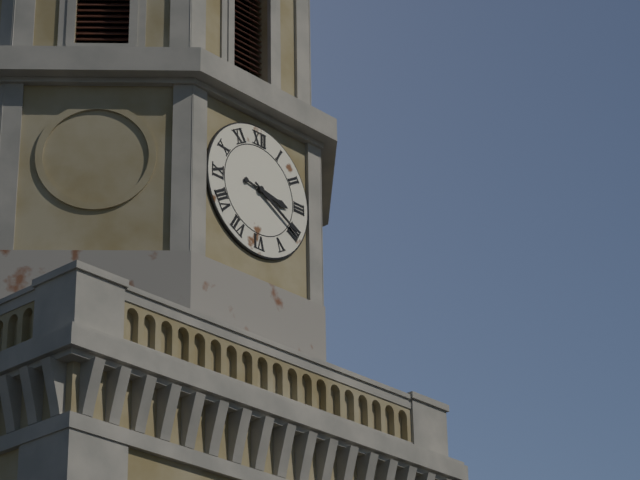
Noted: **3:20**
